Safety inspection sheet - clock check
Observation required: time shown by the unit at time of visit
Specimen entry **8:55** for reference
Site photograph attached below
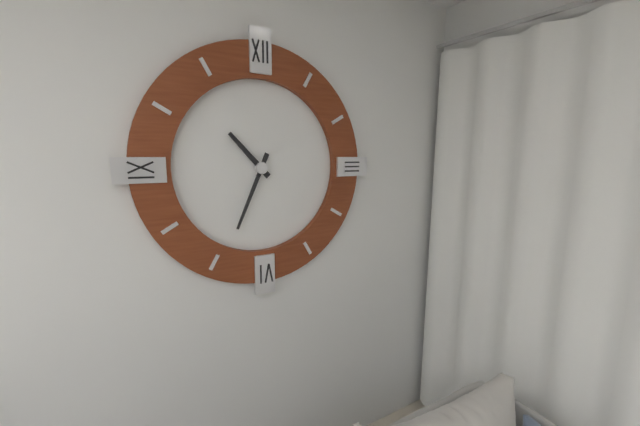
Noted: **10:34**
